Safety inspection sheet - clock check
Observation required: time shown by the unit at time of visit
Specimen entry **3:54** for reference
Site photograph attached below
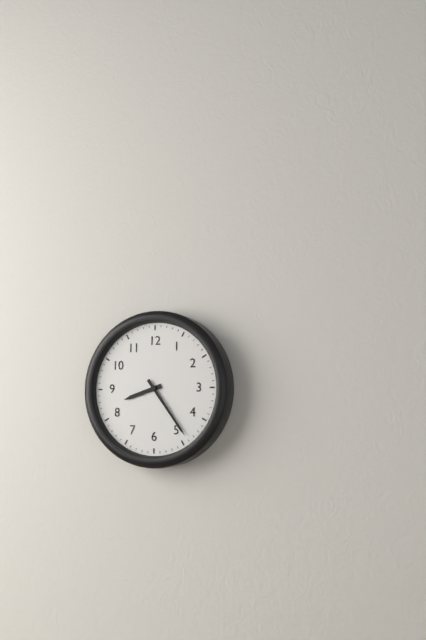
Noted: **8:24**
